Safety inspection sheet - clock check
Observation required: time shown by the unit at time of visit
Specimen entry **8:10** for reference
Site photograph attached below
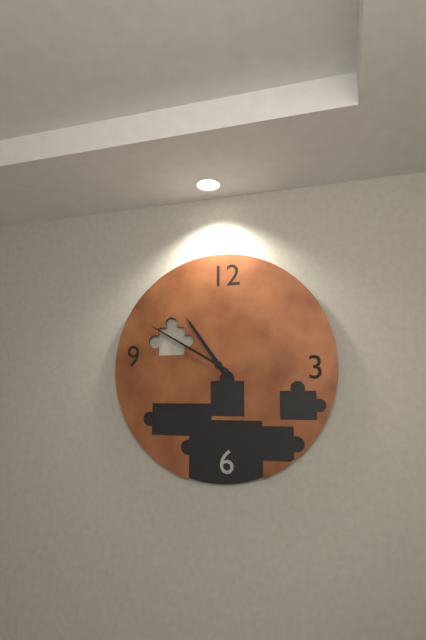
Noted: **10:50**
